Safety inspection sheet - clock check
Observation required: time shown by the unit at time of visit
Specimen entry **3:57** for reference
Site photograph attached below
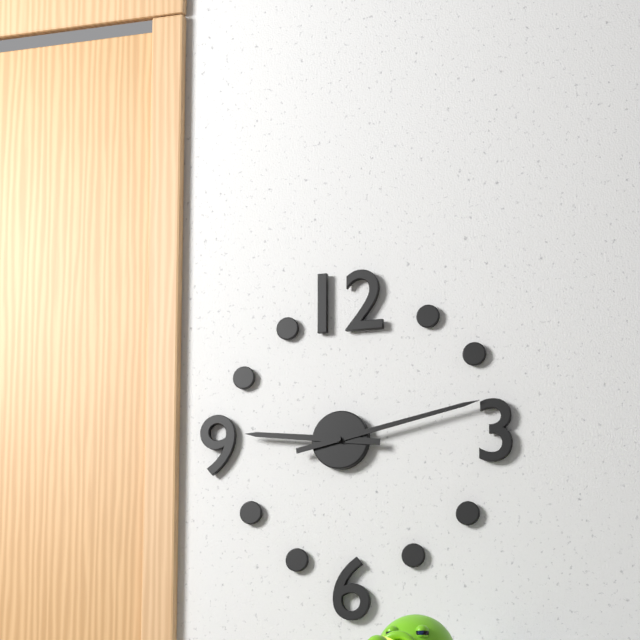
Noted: **9:13**
